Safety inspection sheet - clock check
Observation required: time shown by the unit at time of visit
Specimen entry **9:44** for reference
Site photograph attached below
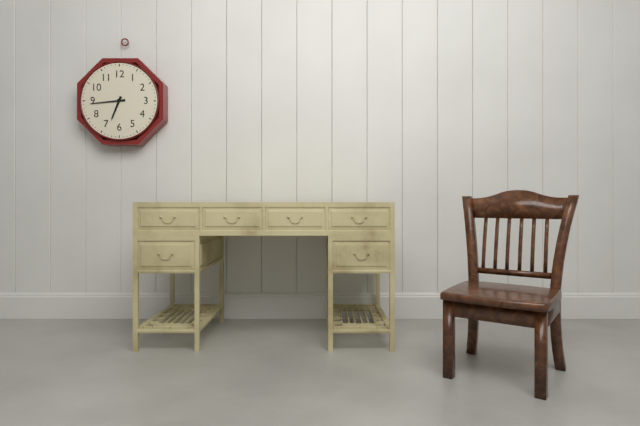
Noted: **6:44**
